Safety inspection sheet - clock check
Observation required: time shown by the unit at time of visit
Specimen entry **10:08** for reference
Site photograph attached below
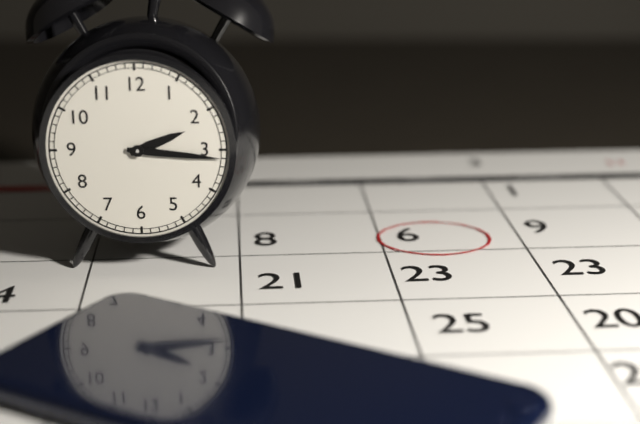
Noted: **2:16**
